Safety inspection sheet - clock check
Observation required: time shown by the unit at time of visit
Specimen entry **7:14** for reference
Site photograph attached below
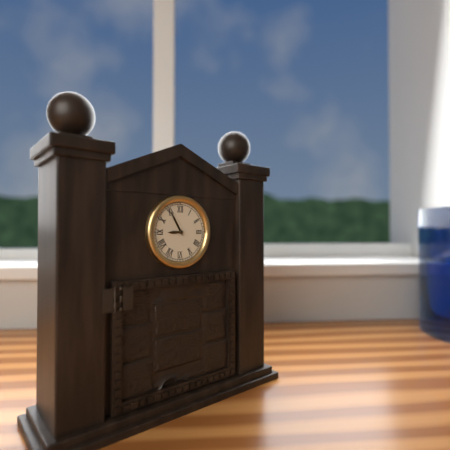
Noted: **8:55**
